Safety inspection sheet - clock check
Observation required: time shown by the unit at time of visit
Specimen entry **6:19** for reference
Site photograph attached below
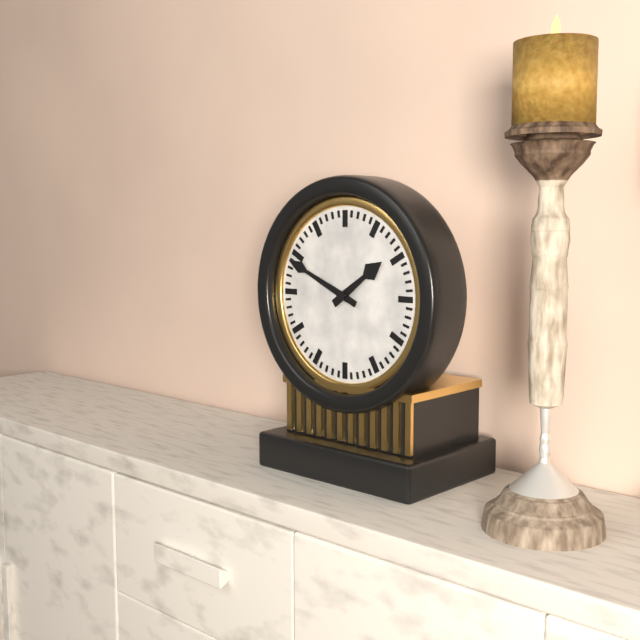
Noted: **1:49**
